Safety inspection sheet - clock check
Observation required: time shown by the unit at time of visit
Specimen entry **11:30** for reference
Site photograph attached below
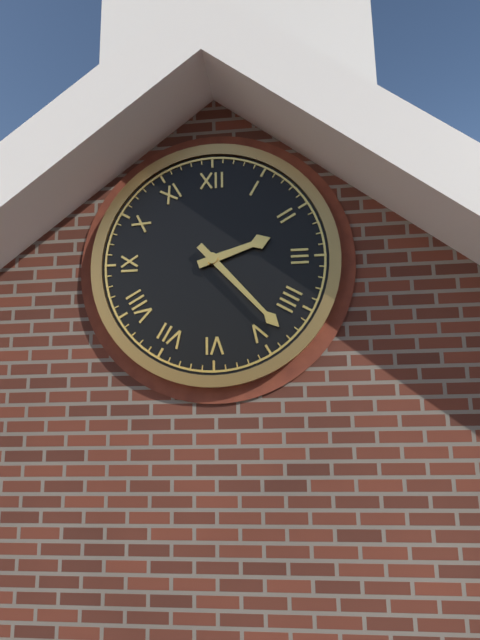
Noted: **2:23**
